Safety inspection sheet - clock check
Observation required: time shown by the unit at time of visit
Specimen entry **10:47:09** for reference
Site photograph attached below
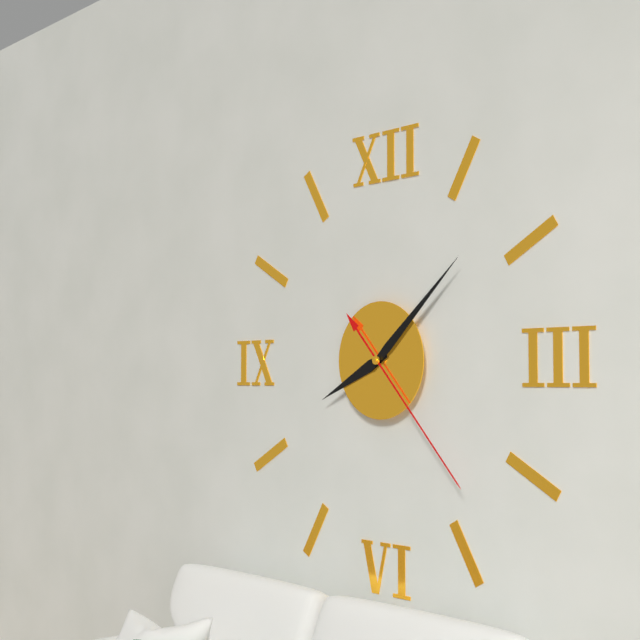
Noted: **8:08:23**
